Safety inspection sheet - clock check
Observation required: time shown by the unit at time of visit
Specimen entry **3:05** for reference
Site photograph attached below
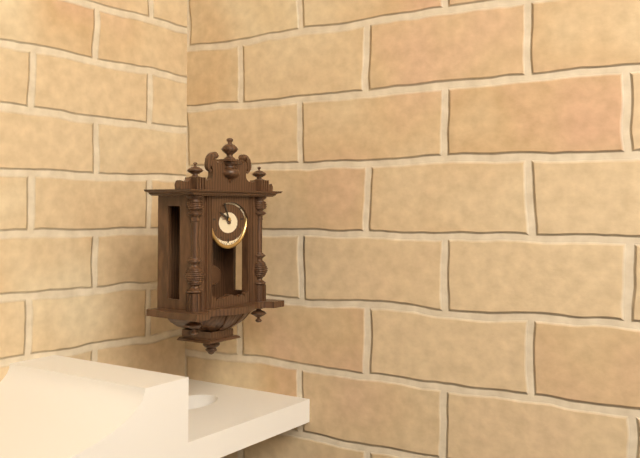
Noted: **9:56**
